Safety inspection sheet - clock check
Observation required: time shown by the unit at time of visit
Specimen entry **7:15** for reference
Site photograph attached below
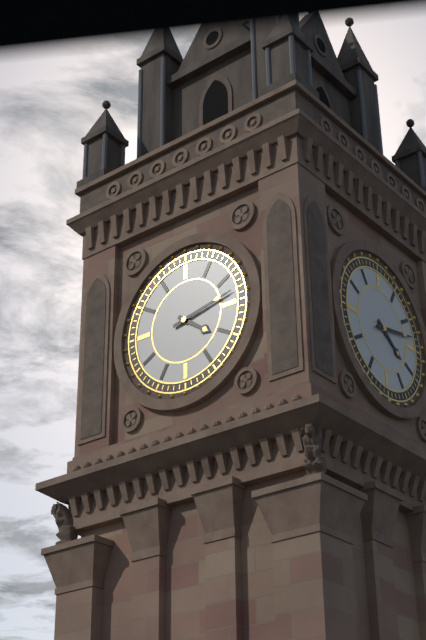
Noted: **4:13**
